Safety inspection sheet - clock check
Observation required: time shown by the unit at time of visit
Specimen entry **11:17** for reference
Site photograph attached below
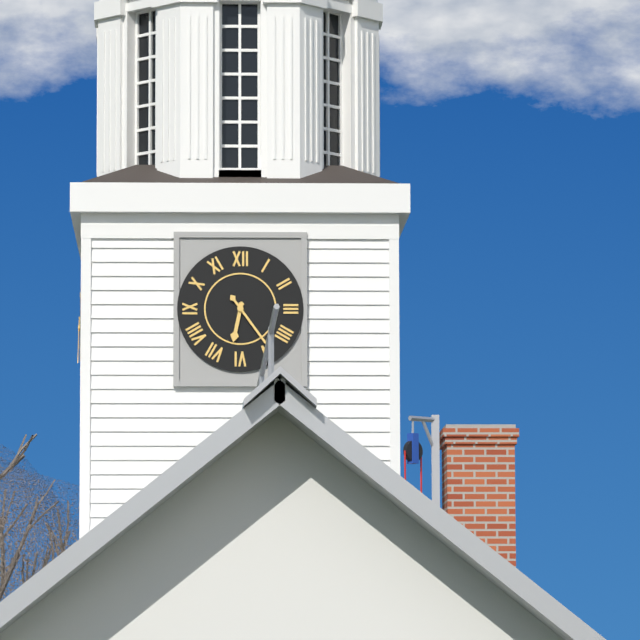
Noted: **6:24**
